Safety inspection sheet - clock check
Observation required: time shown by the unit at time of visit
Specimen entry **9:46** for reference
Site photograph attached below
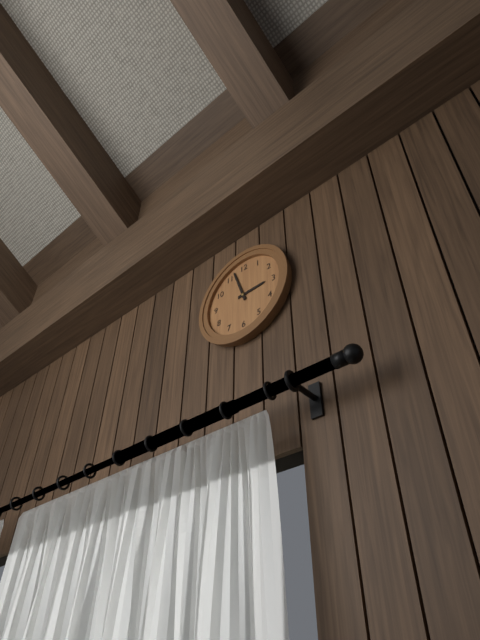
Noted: **2:57**
